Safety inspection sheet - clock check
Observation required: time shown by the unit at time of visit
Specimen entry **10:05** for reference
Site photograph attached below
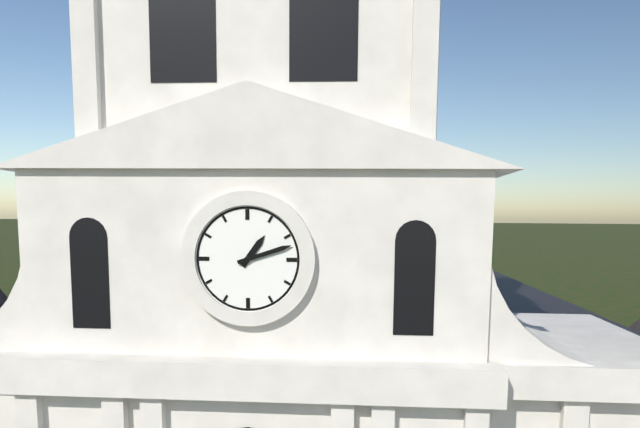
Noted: **1:12**
